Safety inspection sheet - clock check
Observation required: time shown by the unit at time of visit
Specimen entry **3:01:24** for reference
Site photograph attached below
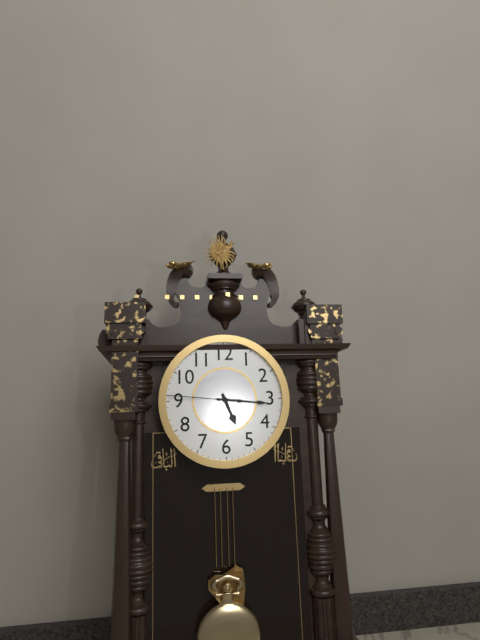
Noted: **5:16:46**
